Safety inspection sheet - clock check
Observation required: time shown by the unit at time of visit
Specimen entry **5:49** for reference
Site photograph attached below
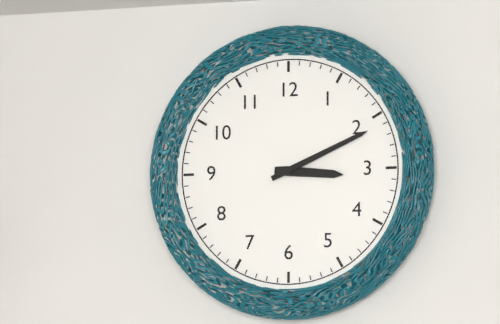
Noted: **3:11**
